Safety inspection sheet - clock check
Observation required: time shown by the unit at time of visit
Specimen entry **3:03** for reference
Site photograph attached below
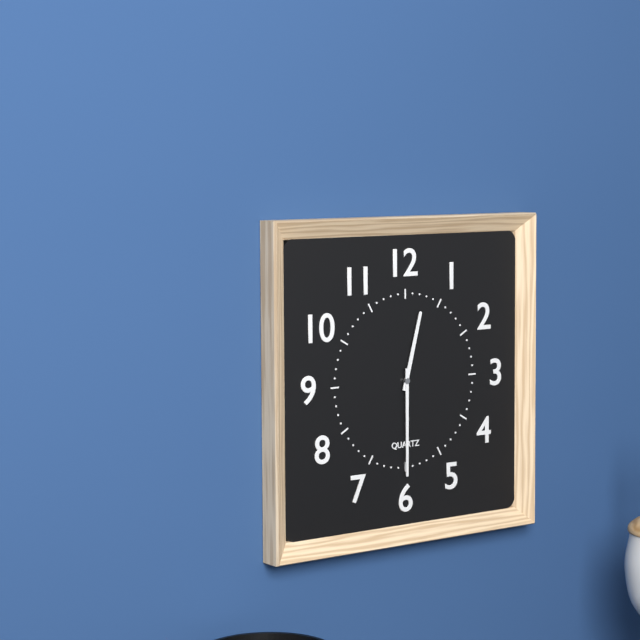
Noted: **12:30**
